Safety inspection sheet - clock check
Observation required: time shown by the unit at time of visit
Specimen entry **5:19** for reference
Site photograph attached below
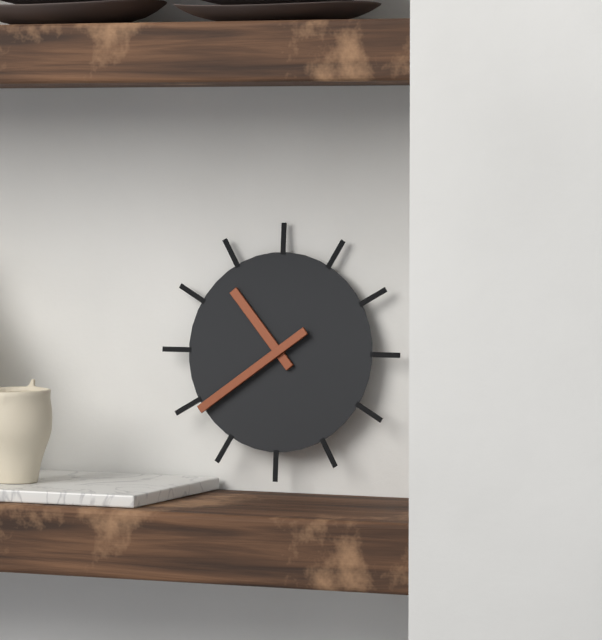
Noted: **10:39**
